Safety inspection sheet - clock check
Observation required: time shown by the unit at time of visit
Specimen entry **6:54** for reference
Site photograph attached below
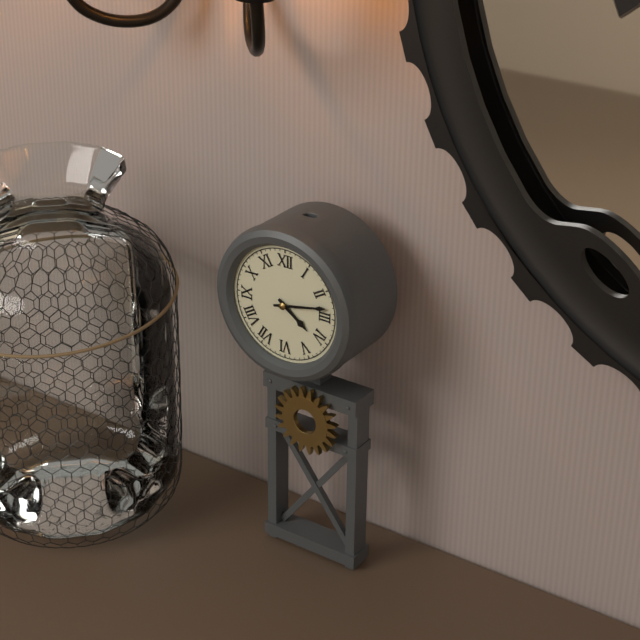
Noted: **4:13**
